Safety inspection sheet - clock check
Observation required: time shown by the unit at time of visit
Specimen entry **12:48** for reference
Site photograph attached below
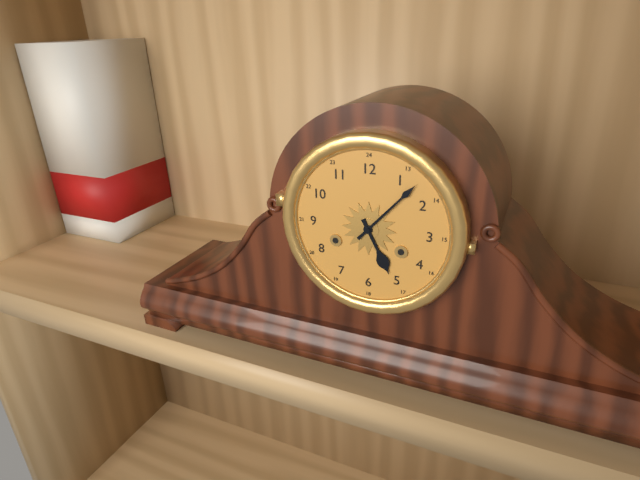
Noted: **5:07**
